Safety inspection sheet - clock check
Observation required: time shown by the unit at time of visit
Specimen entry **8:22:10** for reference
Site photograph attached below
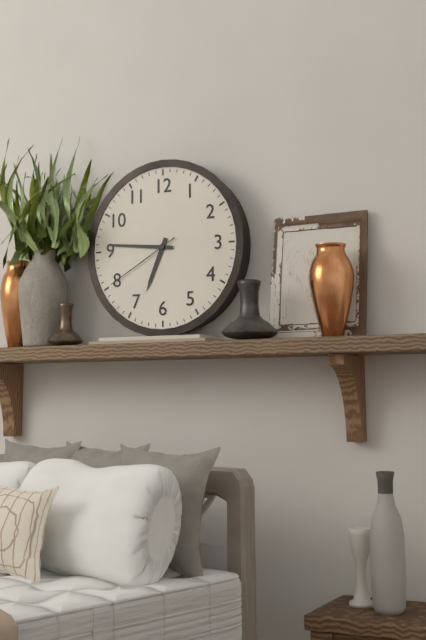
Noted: **6:46:40**
